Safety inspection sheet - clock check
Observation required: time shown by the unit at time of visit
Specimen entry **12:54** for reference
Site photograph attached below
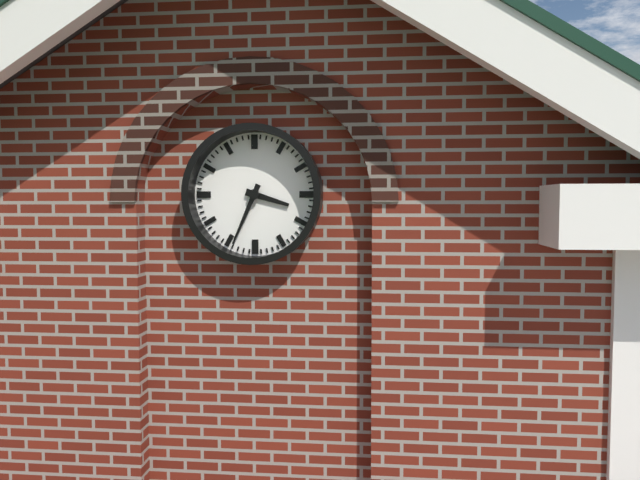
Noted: **3:34**
